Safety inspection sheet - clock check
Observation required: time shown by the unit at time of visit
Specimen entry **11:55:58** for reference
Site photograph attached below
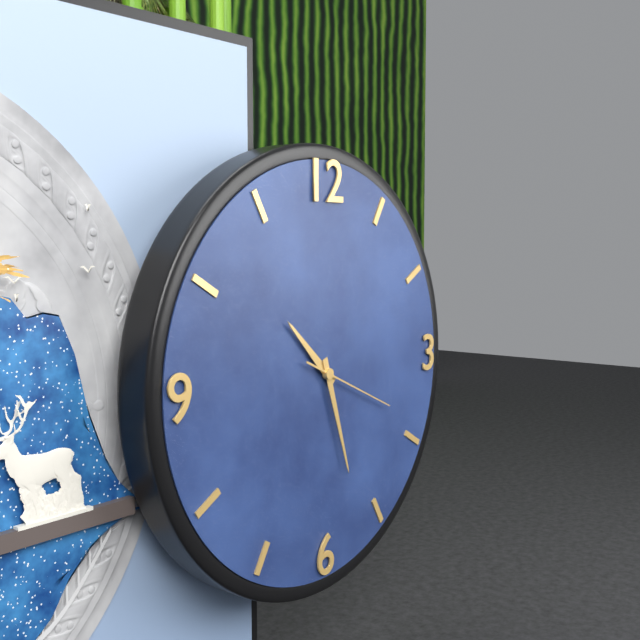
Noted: **10:27:19**
